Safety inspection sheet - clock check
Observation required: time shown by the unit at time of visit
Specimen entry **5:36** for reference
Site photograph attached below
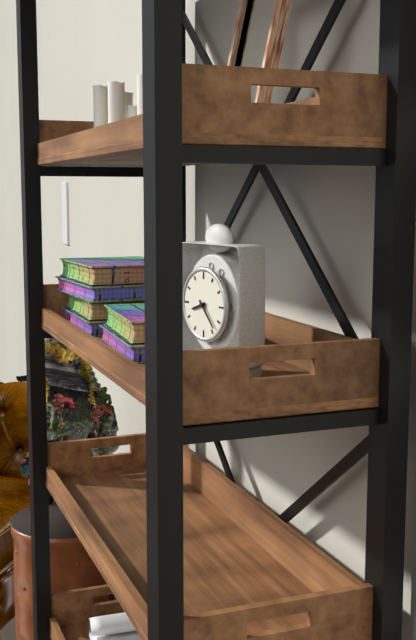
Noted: **8:23**
